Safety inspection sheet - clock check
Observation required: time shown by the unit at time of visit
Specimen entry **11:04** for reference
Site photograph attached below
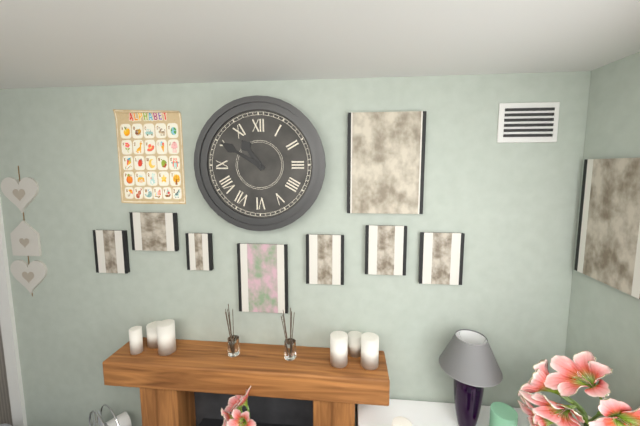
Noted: **10:50**
